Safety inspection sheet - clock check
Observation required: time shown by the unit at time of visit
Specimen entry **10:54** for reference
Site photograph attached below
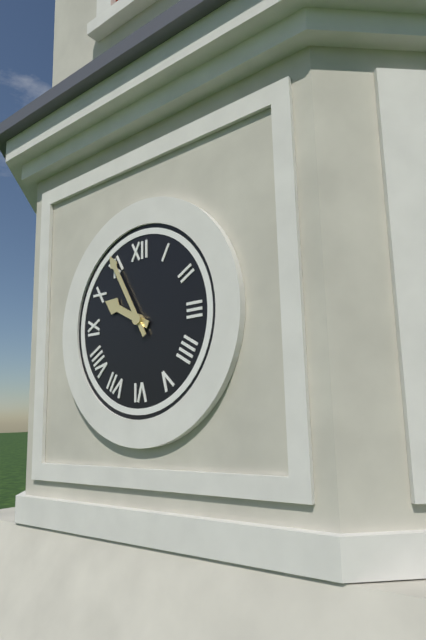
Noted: **9:55**
